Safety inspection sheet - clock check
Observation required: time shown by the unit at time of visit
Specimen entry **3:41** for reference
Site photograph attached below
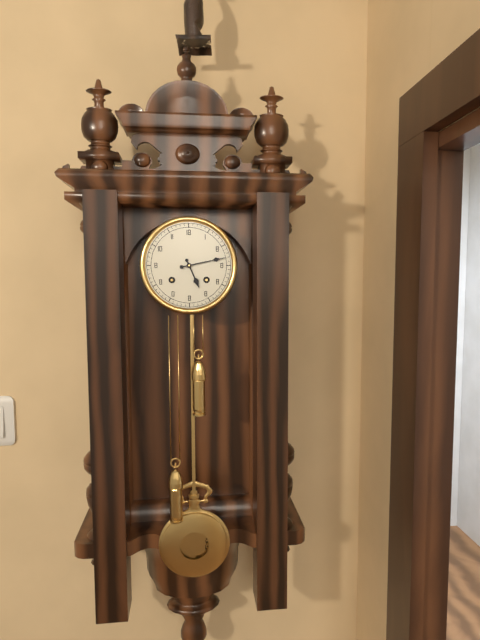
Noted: **5:13**
